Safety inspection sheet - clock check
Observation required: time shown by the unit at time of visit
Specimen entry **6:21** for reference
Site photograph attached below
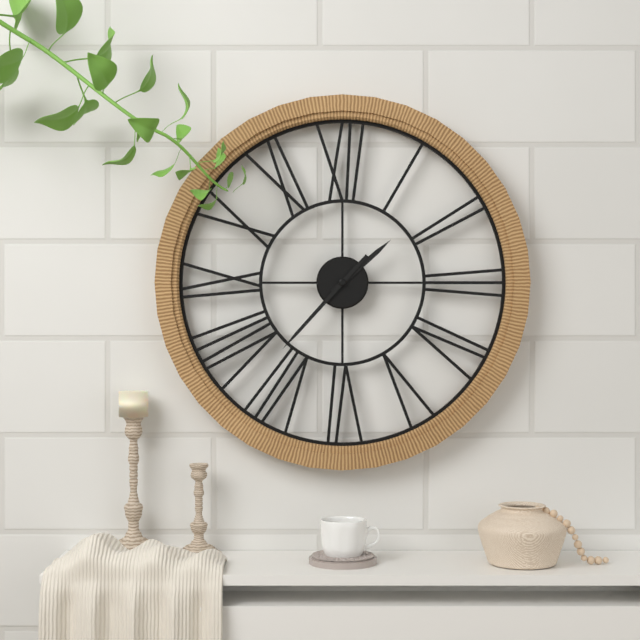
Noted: **1:37**
